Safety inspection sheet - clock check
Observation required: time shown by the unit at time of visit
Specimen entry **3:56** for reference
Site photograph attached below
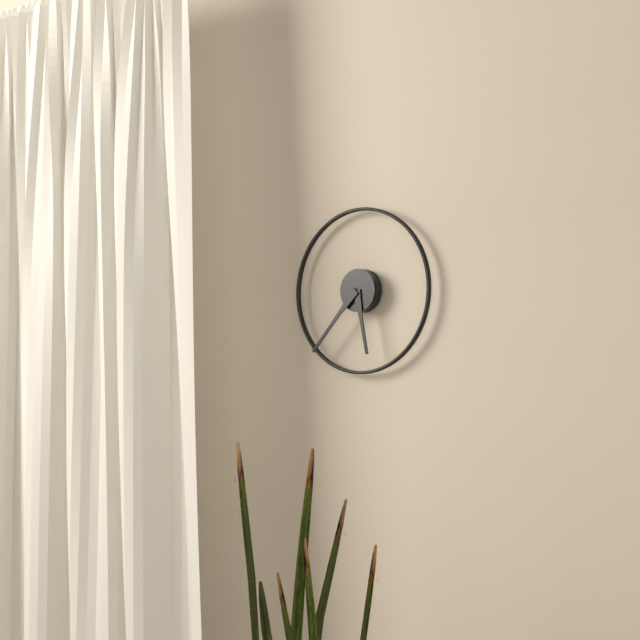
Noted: **5:37**
